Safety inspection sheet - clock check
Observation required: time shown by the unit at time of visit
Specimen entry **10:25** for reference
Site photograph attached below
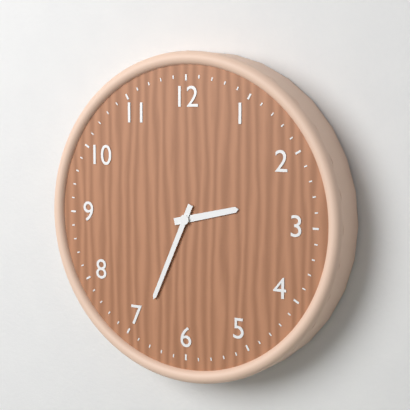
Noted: **2:34**
